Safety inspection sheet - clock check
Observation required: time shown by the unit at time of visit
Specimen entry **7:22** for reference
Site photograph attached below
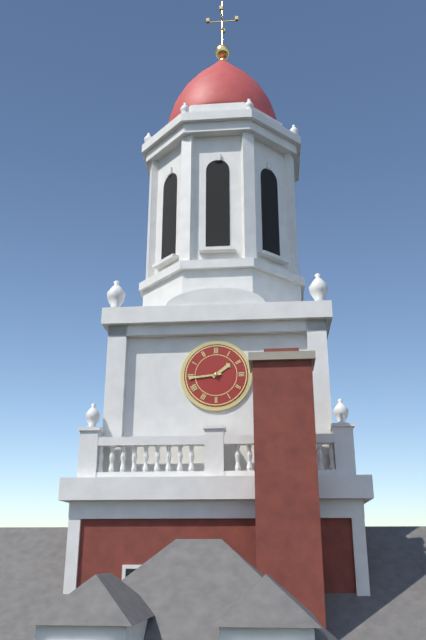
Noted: **1:44**
